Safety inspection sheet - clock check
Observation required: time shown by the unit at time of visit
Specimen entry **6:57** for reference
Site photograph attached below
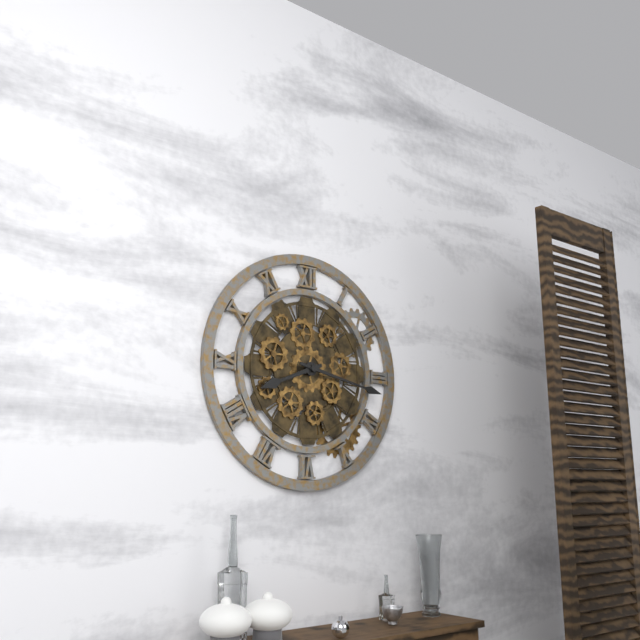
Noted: **8:17**
